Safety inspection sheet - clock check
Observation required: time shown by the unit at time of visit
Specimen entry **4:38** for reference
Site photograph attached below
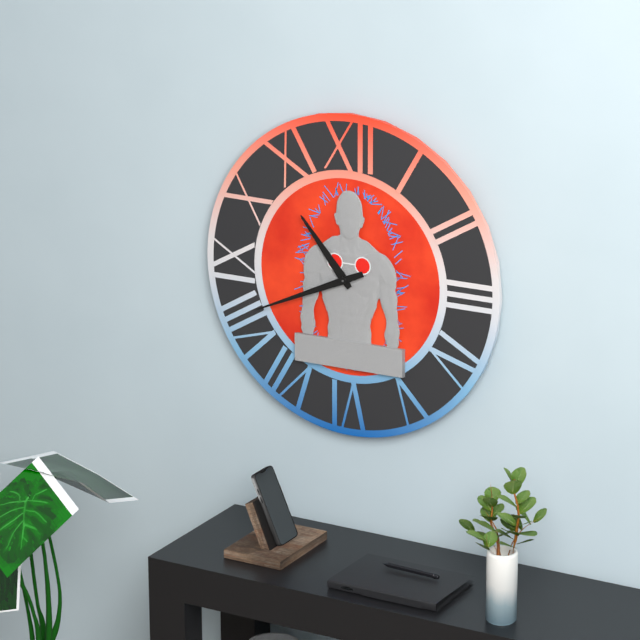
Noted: **10:41**
